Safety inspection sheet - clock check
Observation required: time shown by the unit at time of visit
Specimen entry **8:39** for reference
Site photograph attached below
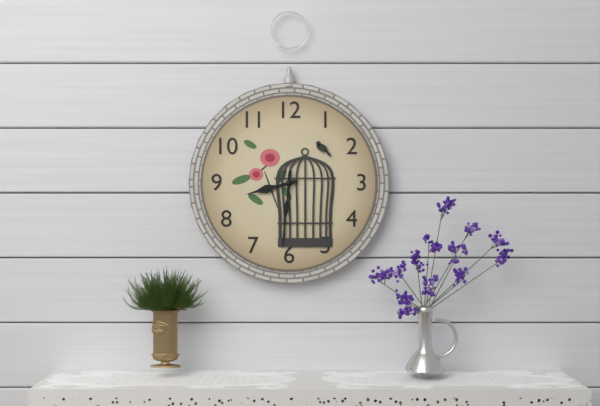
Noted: **8:31**
